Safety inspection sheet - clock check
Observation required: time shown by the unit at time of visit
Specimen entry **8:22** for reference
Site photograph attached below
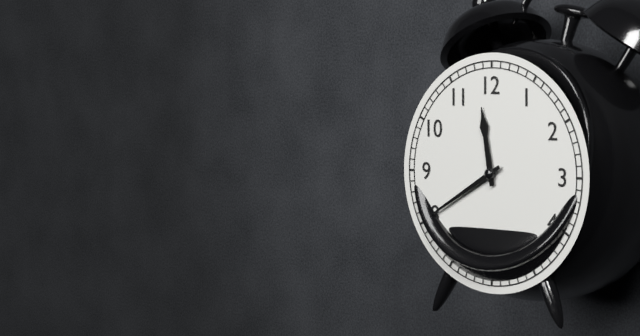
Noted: **11:40**
